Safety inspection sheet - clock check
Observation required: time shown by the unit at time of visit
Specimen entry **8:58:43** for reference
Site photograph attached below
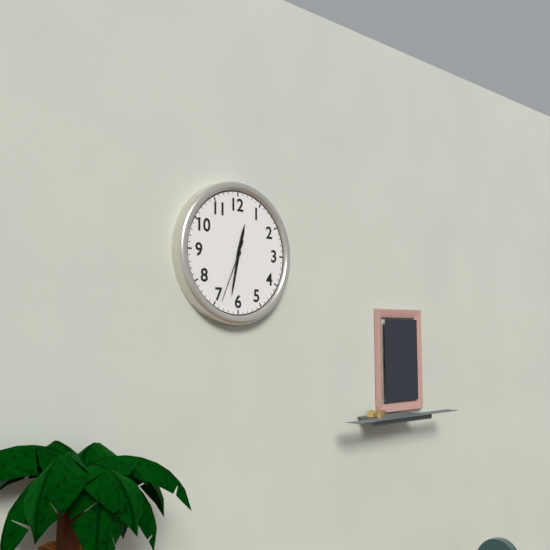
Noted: **12:32:34**
